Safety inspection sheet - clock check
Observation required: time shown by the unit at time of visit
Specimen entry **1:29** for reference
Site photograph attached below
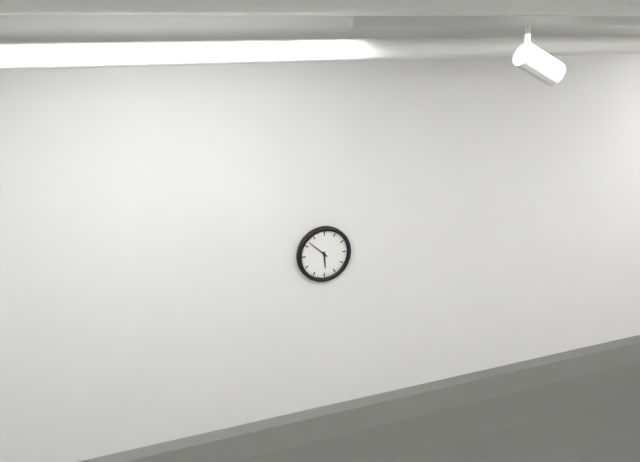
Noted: **5:52**
